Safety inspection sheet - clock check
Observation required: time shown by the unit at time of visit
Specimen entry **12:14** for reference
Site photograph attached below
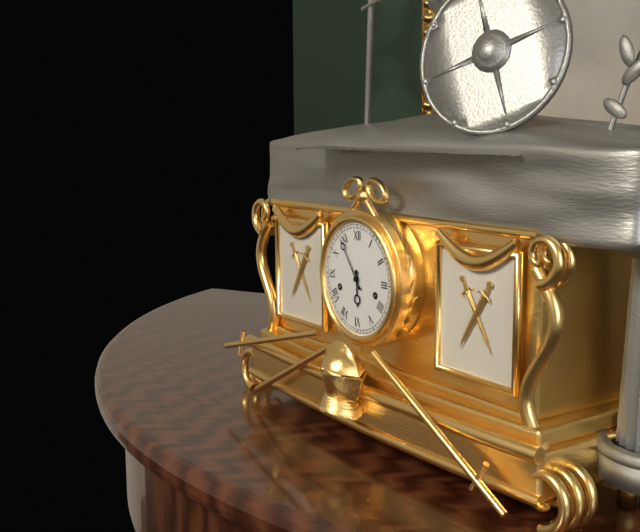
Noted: **5:54**
